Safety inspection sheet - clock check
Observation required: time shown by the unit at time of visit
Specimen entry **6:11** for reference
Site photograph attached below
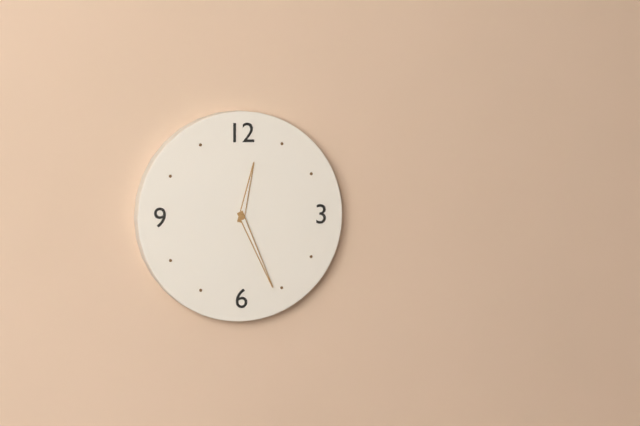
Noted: **12:26**
